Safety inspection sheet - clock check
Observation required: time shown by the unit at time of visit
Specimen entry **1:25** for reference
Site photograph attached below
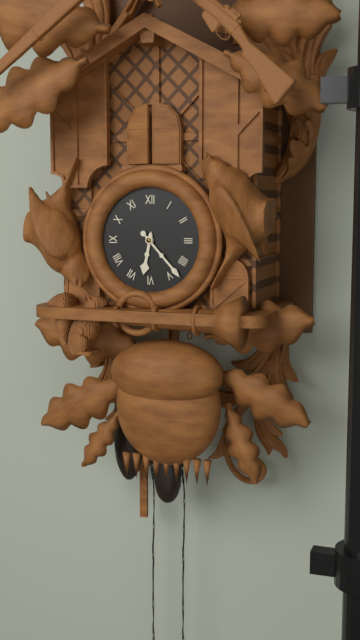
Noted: **6:23**
